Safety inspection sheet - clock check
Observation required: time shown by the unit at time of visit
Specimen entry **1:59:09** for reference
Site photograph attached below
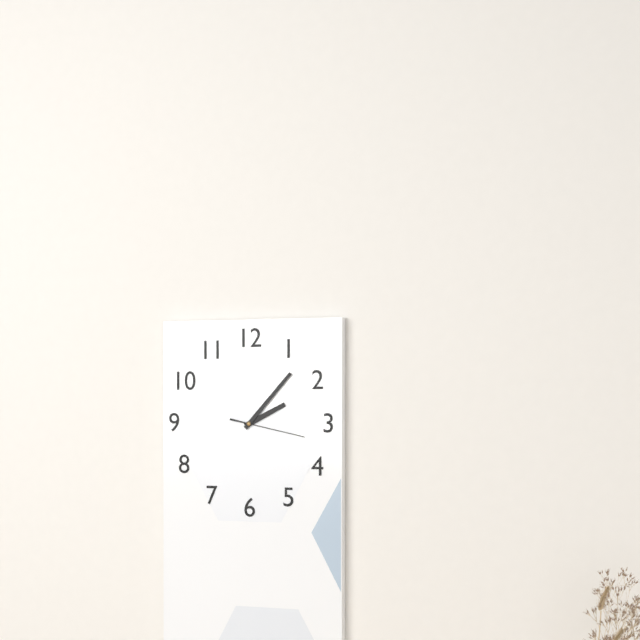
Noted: **2:07:17**
